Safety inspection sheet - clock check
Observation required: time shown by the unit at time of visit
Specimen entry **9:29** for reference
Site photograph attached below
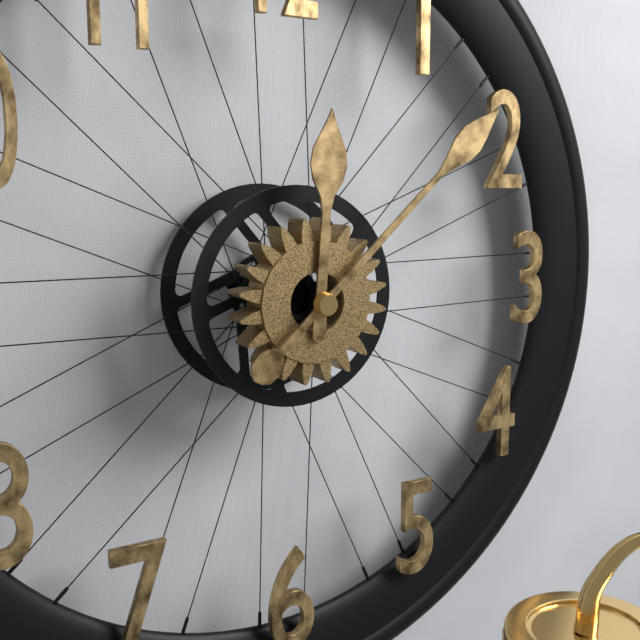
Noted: **12:08**
